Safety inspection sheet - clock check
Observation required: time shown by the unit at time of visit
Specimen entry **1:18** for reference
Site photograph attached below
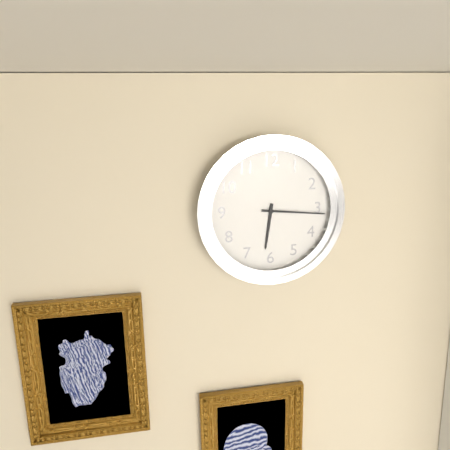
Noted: **6:16**
